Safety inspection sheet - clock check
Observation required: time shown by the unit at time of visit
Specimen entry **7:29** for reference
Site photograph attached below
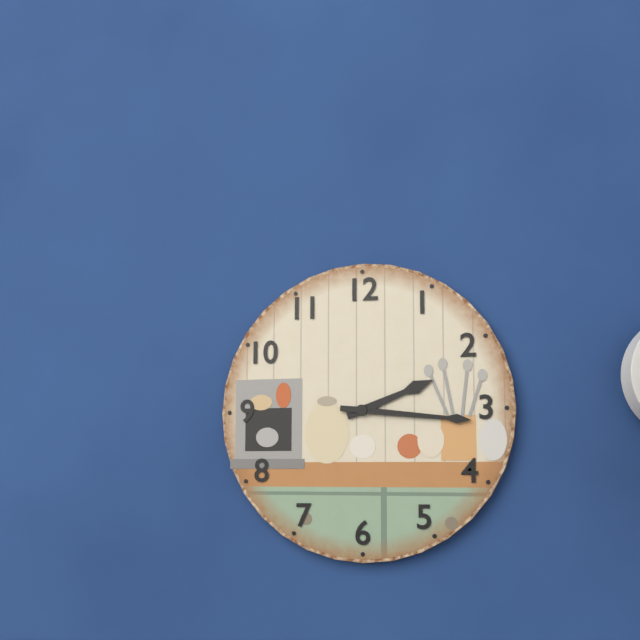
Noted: **2:16**
